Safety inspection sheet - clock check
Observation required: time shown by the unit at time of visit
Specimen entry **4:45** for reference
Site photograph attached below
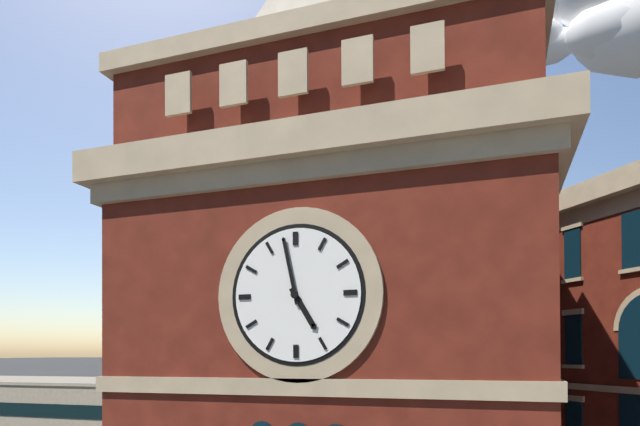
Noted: **4:58**
